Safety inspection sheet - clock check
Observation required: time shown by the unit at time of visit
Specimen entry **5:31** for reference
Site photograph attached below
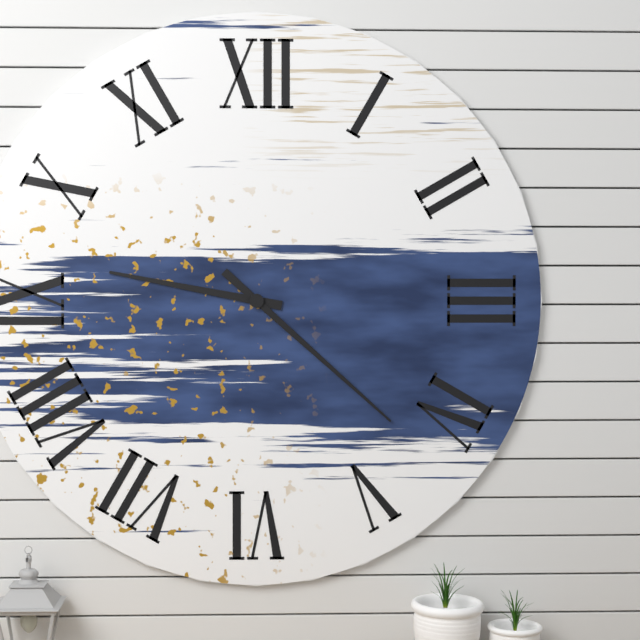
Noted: **9:22**
